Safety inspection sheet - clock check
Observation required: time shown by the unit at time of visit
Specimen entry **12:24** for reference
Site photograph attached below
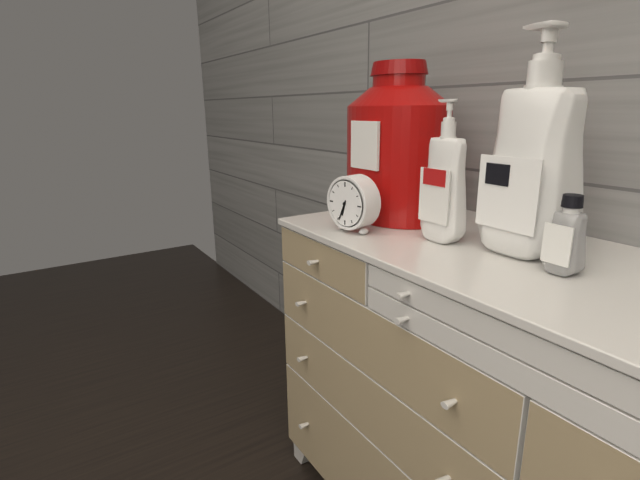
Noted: **6:34**
